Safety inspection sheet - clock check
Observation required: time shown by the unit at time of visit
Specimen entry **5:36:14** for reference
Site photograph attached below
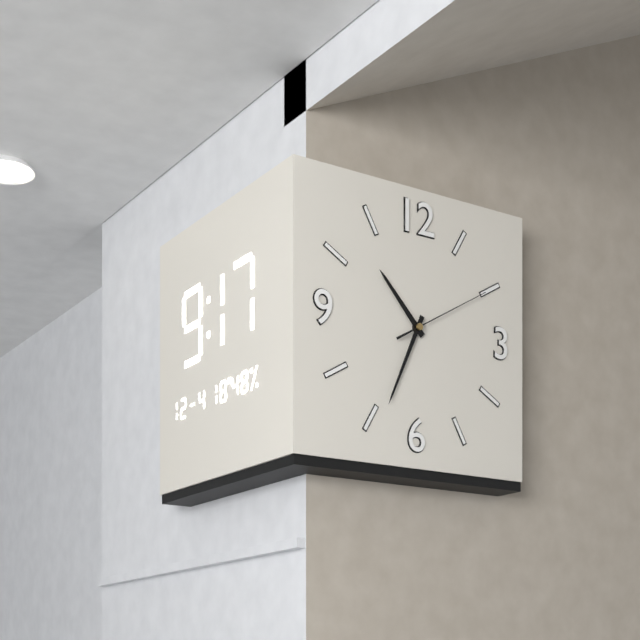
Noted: **10:34:10**
